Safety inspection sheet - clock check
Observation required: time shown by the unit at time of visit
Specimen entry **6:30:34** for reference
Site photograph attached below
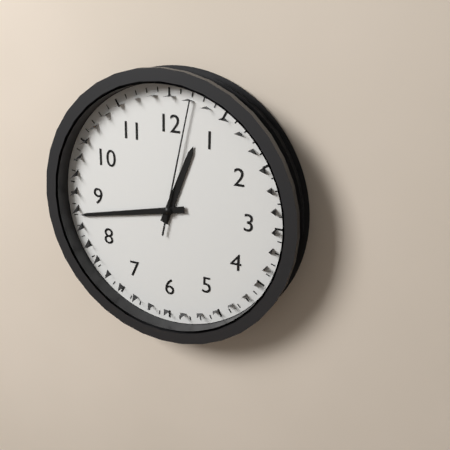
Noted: **12:43:02**
